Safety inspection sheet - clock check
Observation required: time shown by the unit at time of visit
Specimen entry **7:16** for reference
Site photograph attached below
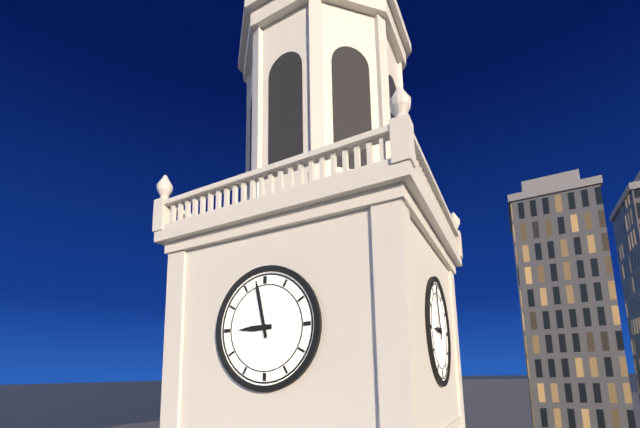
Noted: **8:58**
